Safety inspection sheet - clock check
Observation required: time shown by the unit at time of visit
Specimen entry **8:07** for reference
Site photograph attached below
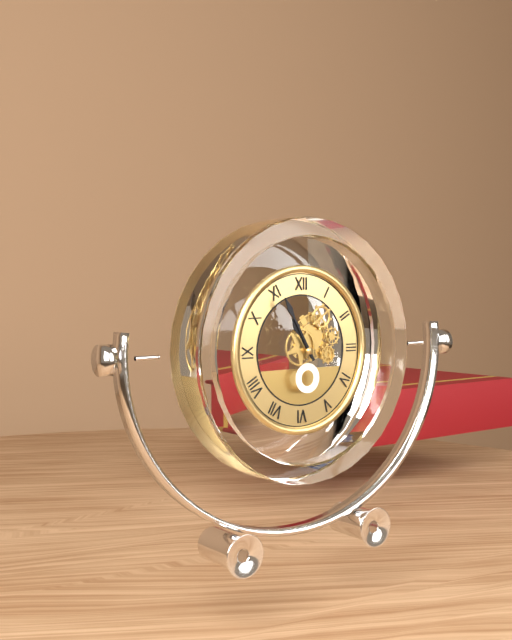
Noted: **10:55**
